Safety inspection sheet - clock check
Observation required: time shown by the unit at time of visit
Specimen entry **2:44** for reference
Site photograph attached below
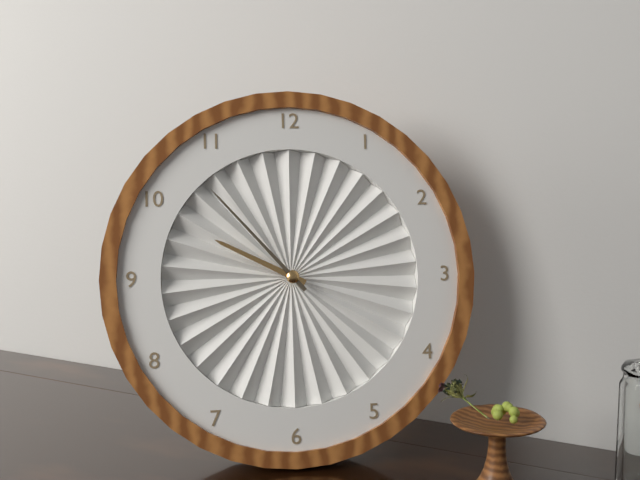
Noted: **9:53**
